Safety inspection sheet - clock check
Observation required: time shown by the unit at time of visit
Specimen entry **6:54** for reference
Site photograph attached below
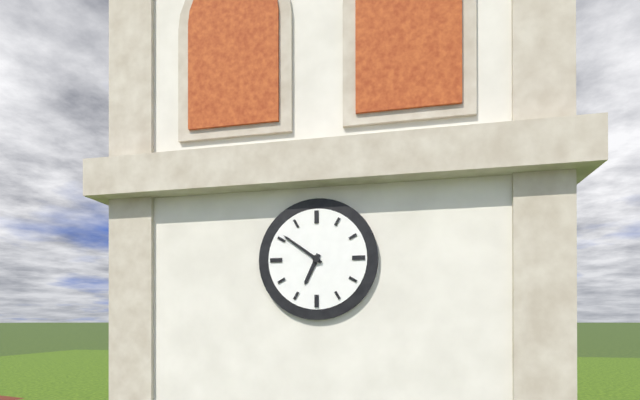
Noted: **6:51**
